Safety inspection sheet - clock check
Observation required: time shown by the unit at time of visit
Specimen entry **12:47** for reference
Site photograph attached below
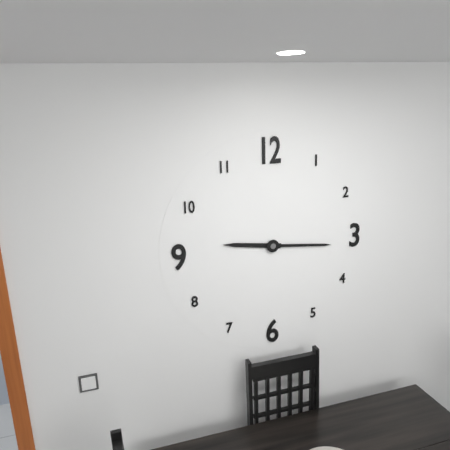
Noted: **9:16**
